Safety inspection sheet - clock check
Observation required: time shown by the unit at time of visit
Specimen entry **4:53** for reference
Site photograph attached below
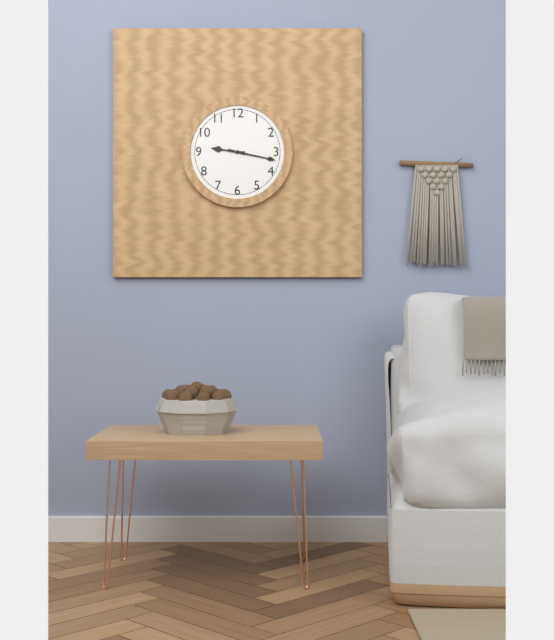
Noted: **9:17**
